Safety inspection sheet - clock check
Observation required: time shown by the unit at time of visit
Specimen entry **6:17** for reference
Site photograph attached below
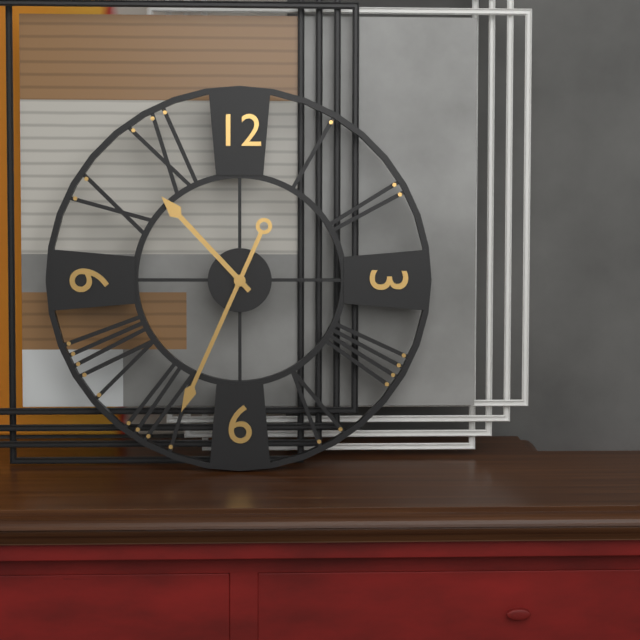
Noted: **10:34**
